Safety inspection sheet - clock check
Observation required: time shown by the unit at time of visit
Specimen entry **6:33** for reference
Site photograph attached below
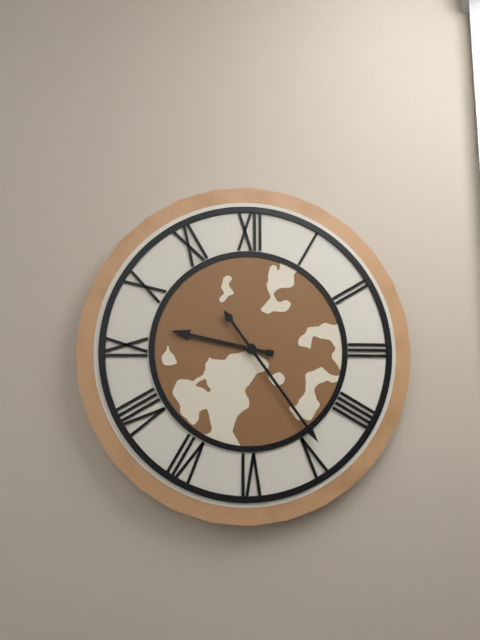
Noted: **9:24**
